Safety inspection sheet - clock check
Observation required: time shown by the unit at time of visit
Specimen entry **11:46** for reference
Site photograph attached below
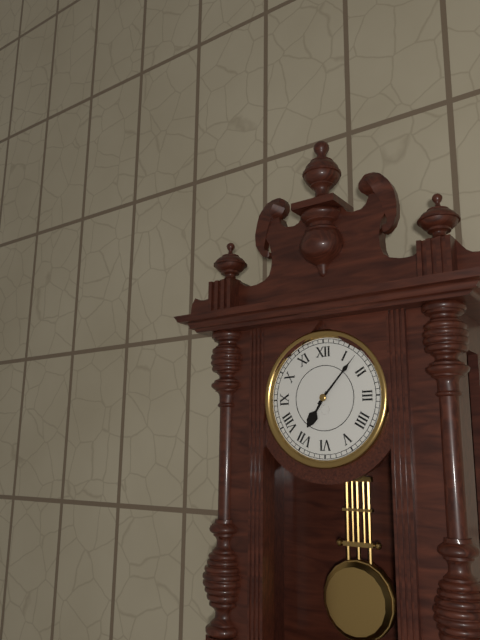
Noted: **7:07**
